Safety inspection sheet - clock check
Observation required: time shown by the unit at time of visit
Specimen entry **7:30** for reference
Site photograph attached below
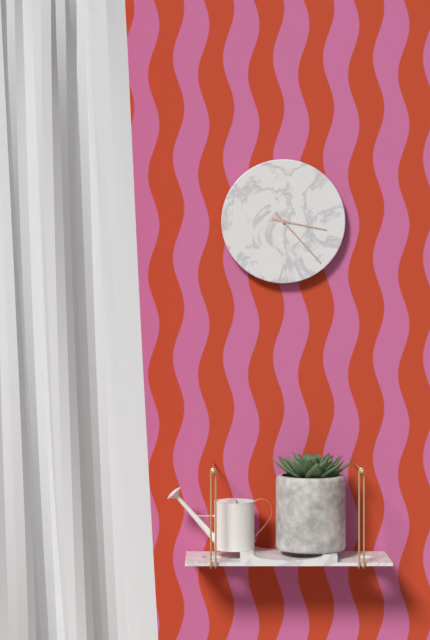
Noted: **3:23**
